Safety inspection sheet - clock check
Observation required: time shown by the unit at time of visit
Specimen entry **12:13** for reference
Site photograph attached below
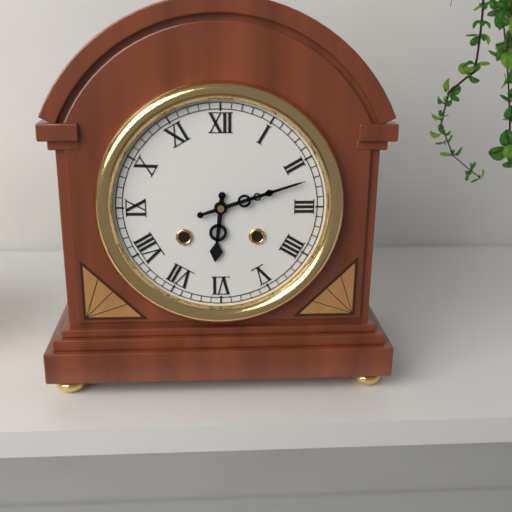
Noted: **6:12**
